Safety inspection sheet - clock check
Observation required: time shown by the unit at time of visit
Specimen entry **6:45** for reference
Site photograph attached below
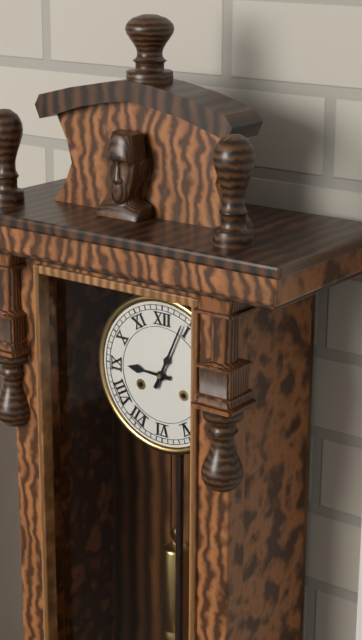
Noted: **9:04**
